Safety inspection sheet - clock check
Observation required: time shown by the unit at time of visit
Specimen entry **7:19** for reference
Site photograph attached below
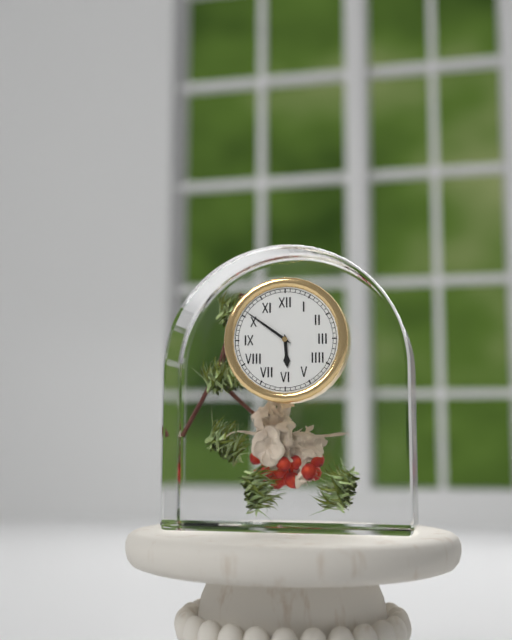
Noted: **5:51**
